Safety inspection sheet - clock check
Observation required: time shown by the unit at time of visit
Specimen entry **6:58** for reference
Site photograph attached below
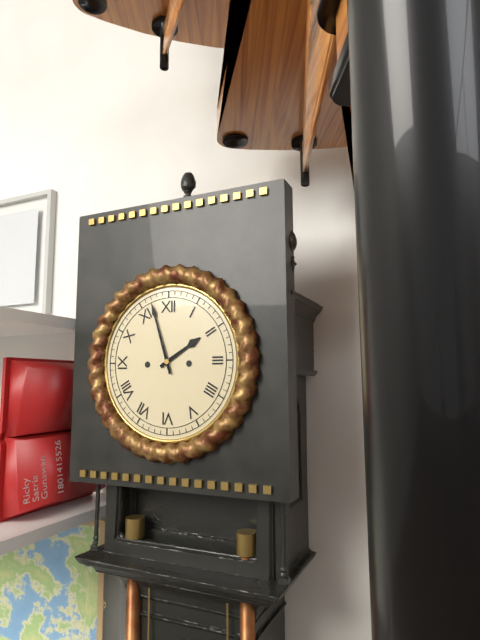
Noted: **1:57**
